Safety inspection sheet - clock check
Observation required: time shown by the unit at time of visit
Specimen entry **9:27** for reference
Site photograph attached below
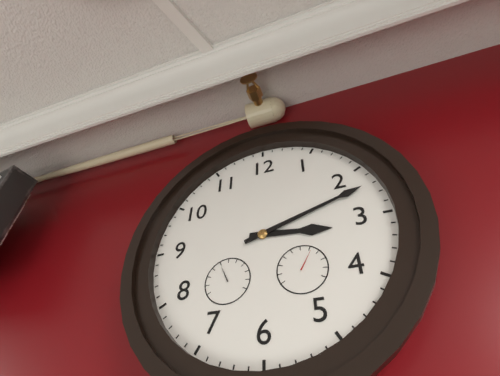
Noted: **3:12**
